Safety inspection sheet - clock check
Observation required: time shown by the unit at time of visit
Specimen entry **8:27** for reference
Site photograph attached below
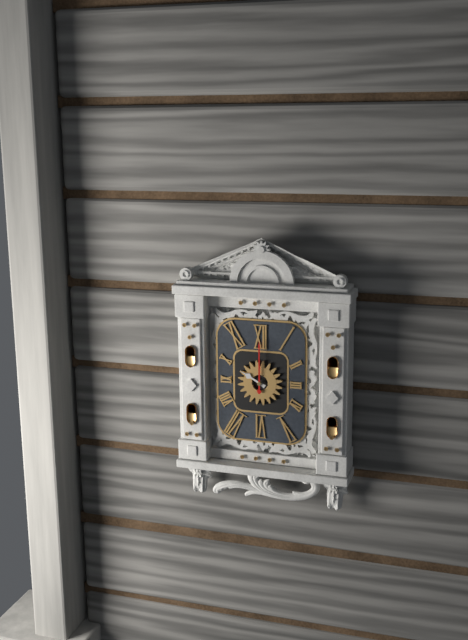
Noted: **10:00**
